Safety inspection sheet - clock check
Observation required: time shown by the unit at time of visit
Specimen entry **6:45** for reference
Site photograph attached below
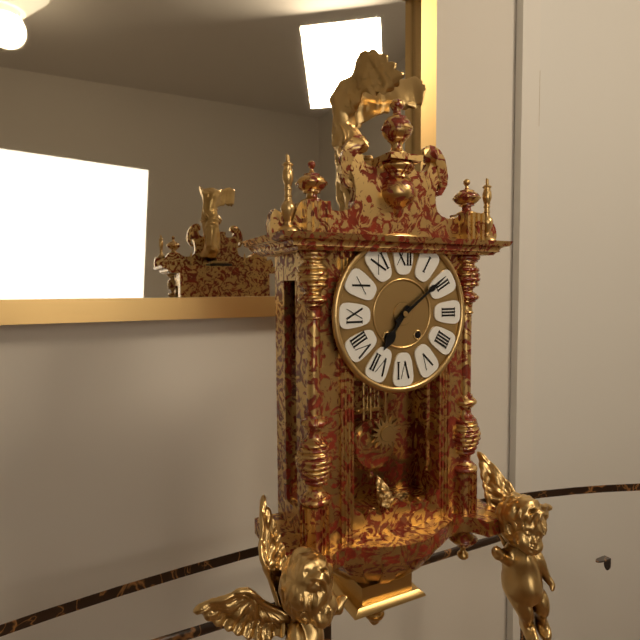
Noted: **7:09**
